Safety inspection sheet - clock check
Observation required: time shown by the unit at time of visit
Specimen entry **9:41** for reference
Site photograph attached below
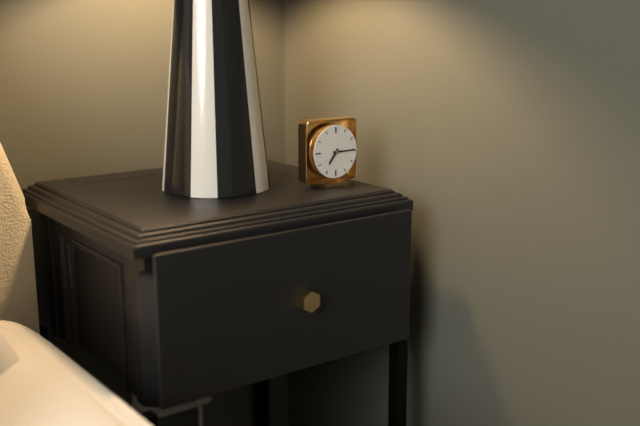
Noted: **7:15**
